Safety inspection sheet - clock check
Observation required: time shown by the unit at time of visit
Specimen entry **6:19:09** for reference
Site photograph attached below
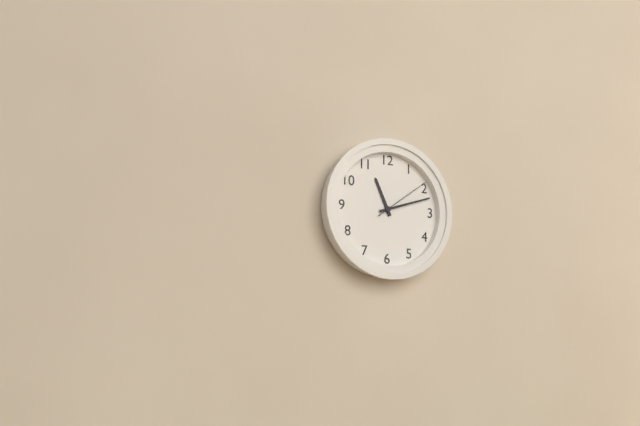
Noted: **11:12:09**
